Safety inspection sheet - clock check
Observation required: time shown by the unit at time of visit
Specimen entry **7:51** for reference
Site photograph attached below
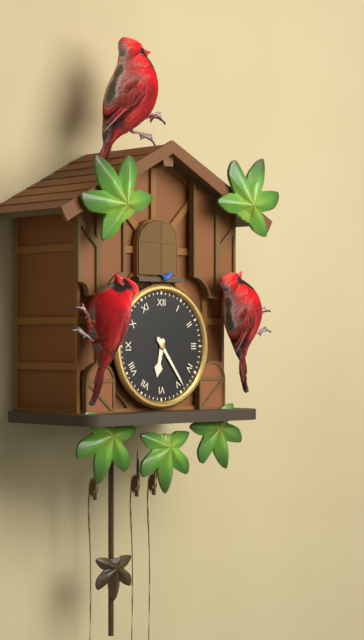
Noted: **6:24**
